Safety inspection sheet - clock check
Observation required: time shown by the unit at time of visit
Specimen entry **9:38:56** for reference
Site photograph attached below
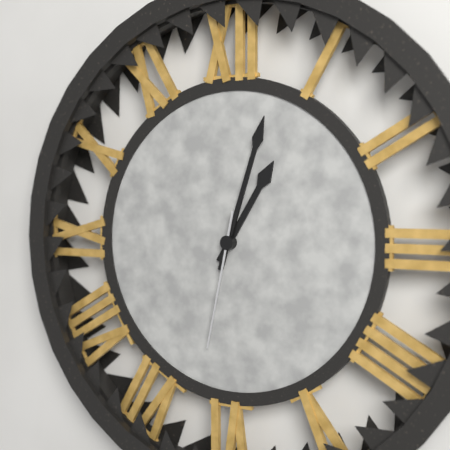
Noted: **1:03:32**
